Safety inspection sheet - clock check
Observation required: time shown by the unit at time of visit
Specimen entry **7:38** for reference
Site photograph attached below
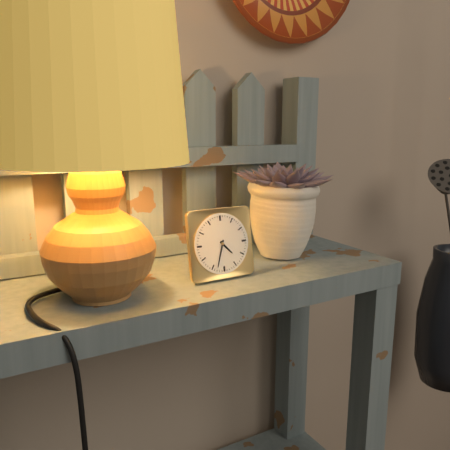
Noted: **4:33**
